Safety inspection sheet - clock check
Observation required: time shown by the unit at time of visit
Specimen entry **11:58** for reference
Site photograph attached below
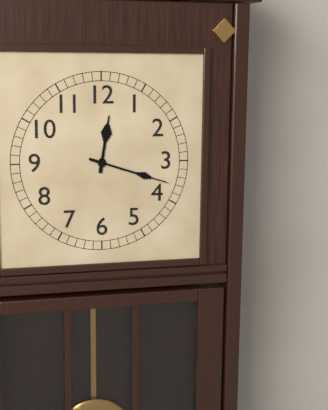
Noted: **12:18**
